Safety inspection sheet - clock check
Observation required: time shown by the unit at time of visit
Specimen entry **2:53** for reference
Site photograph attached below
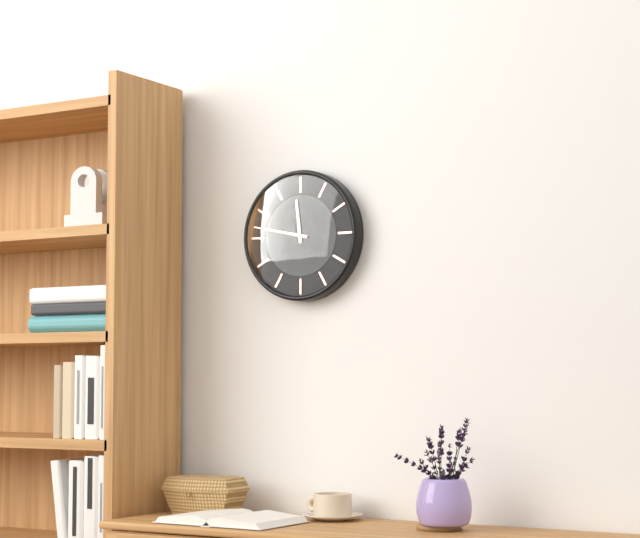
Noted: **11:47**
